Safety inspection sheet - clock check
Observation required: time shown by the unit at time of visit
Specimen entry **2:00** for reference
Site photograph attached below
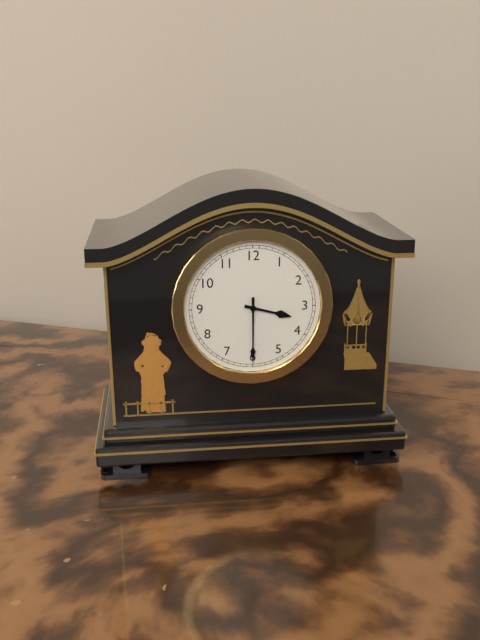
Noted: **3:30**
